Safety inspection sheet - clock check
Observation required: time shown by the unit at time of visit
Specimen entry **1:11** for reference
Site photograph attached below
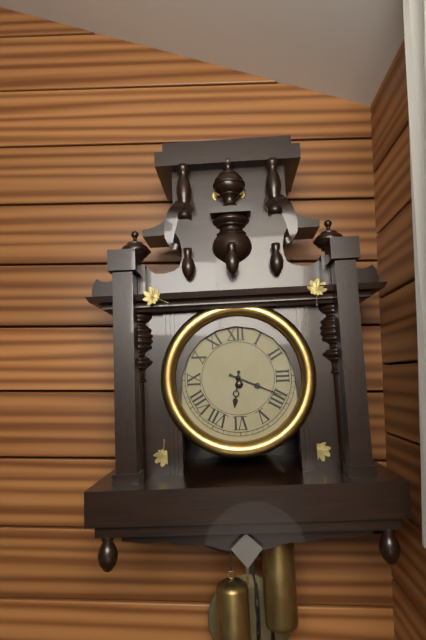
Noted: **6:19**
